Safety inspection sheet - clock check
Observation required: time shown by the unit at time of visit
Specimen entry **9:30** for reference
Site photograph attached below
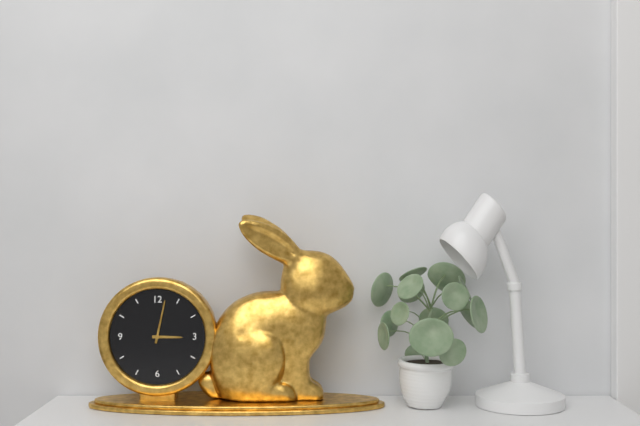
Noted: **3:02**
